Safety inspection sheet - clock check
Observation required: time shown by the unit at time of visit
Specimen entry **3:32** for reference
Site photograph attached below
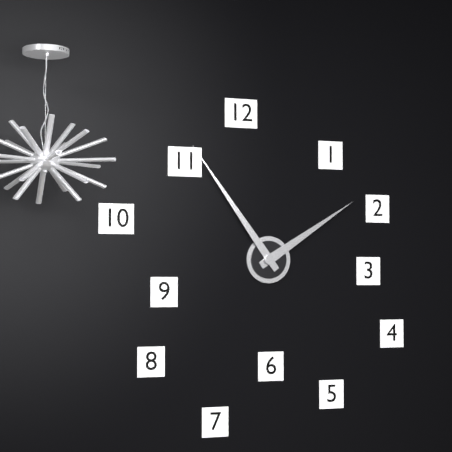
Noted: **1:54**
